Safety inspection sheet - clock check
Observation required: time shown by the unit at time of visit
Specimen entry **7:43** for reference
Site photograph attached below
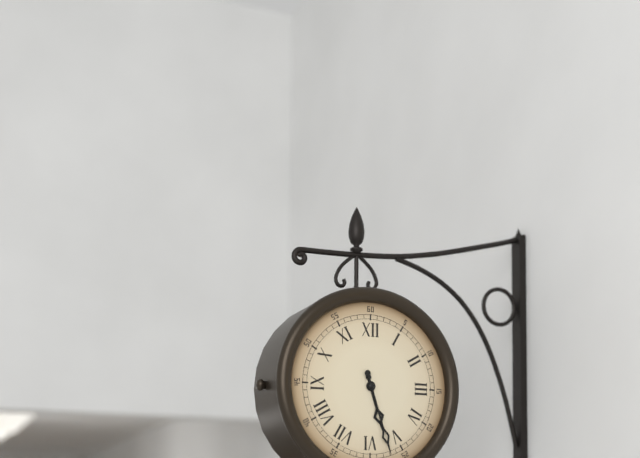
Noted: **5:27**
